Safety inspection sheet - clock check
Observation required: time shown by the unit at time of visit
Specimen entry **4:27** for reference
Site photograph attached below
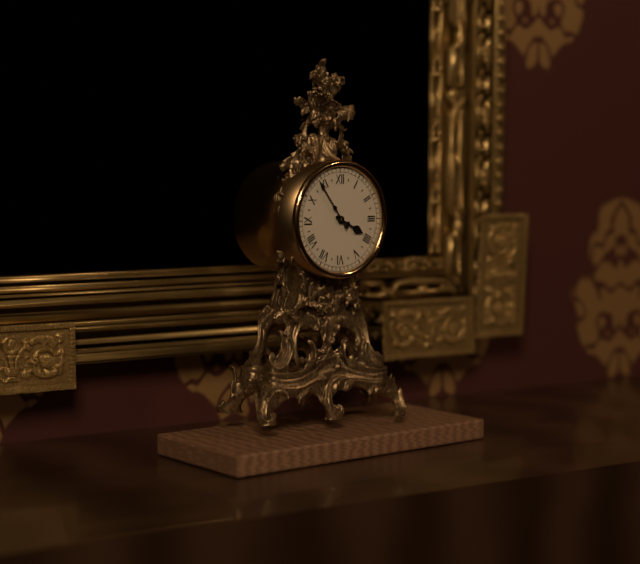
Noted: **3:54**
